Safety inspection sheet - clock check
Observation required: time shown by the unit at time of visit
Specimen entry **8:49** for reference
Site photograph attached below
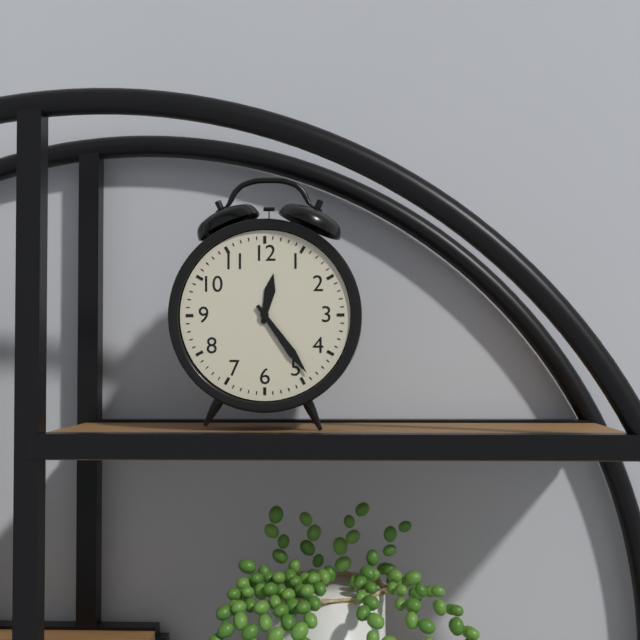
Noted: **12:24**
